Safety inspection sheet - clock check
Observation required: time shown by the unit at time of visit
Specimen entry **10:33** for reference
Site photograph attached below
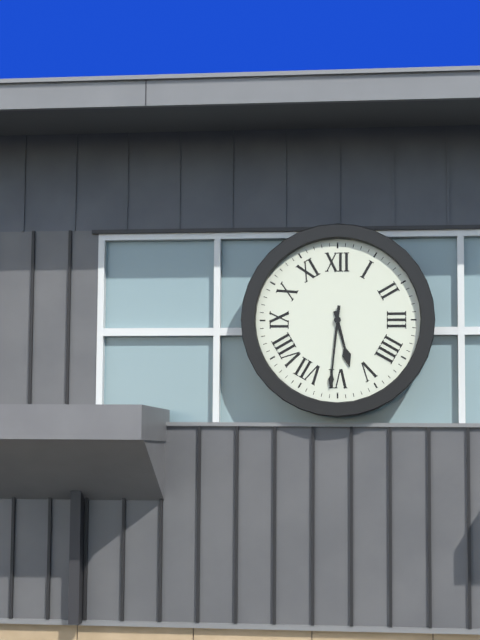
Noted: **5:31**
